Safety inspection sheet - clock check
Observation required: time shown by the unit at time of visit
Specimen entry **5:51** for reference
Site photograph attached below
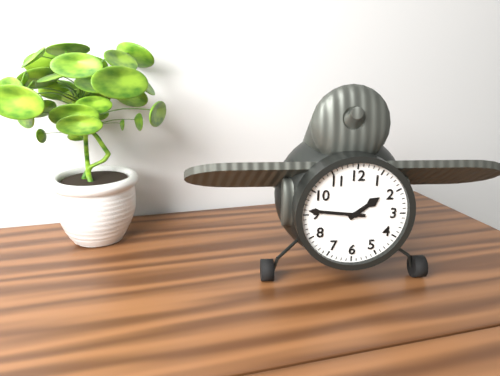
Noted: **1:46**
